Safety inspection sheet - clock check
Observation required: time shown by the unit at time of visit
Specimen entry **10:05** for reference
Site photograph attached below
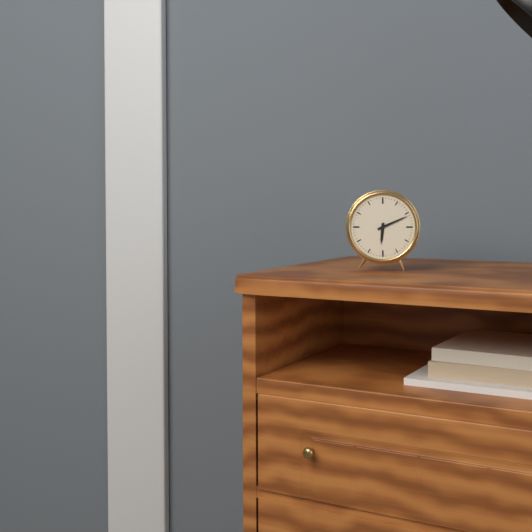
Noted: **6:11**
